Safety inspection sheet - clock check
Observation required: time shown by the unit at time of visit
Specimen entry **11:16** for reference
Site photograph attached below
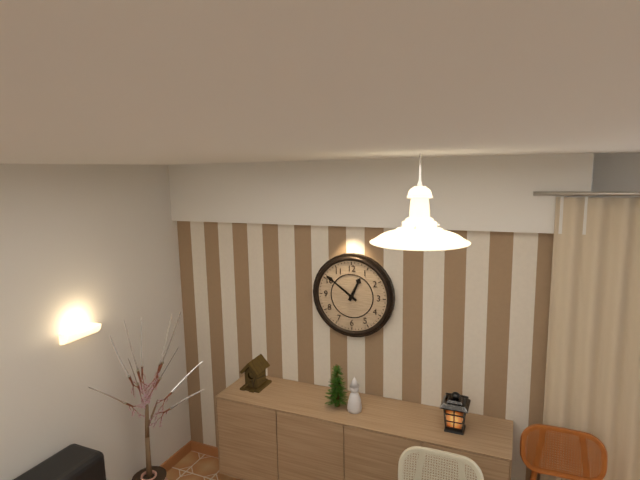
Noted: **12:51**
